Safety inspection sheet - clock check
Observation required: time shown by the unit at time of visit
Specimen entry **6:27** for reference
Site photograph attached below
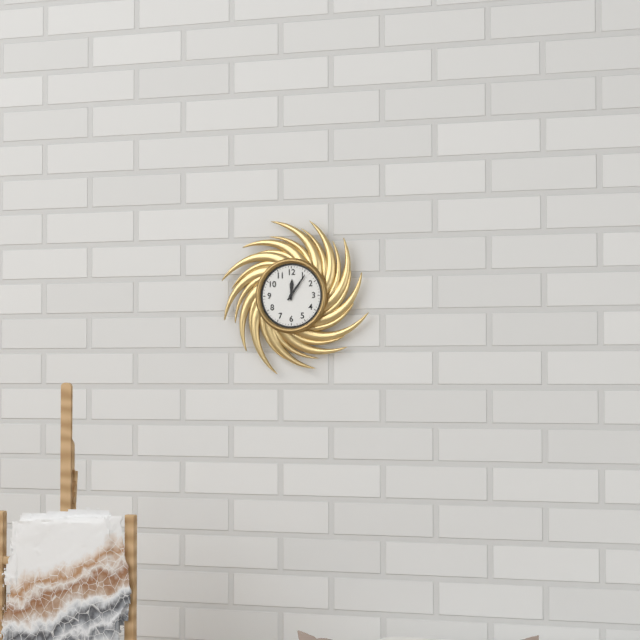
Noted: **12:06**
